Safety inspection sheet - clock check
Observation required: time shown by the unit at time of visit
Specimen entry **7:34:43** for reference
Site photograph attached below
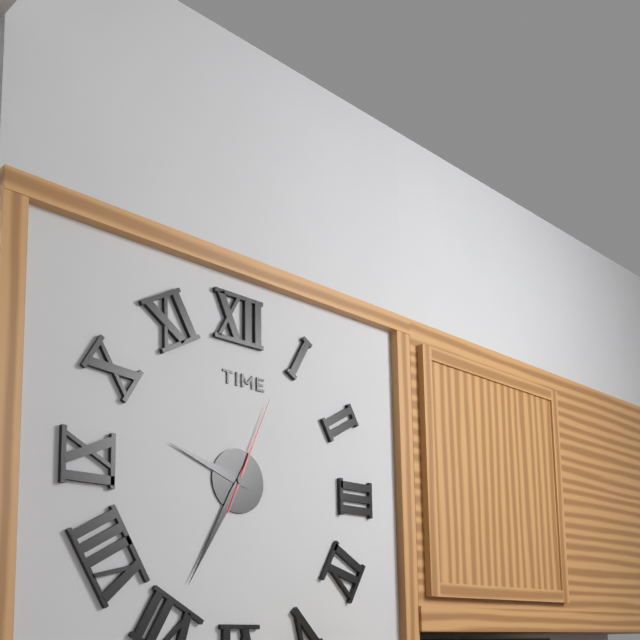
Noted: **9:35:04**
